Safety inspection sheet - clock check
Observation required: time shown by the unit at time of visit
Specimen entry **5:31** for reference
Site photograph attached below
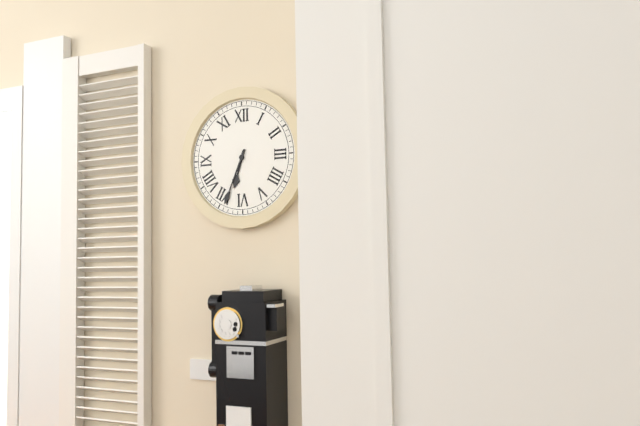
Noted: **6:34**
